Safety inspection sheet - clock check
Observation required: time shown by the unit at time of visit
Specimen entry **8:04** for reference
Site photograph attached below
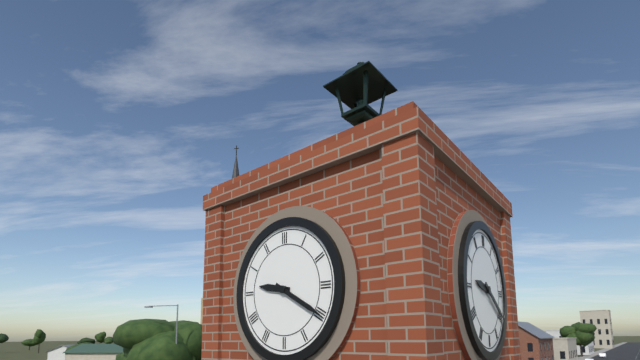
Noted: **9:20**
